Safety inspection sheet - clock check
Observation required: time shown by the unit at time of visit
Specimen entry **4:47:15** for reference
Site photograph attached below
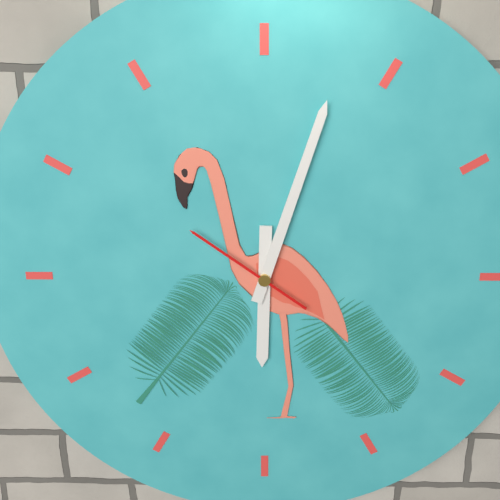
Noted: **6:03:51**
